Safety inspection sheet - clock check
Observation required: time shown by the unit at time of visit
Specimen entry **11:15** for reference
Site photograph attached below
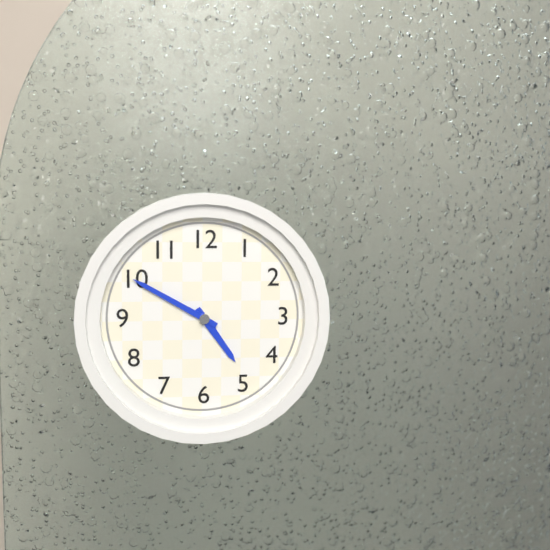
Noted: **4:50**
